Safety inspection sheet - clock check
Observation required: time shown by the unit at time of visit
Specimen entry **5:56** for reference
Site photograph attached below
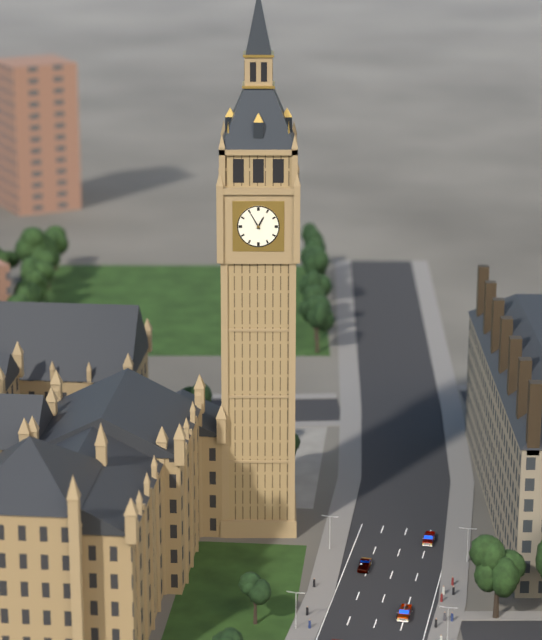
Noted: **12:55**
